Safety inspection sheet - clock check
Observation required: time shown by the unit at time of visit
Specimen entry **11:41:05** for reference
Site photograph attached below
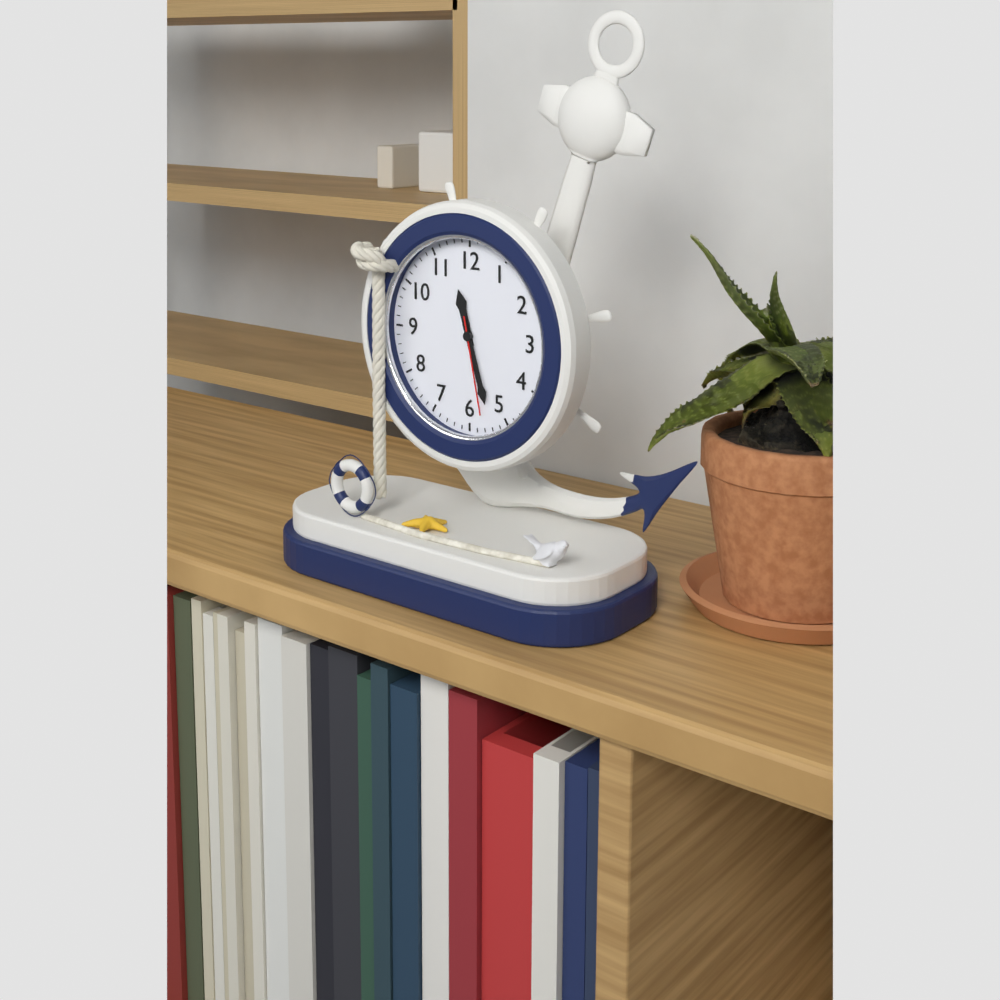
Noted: **11:27:28**
